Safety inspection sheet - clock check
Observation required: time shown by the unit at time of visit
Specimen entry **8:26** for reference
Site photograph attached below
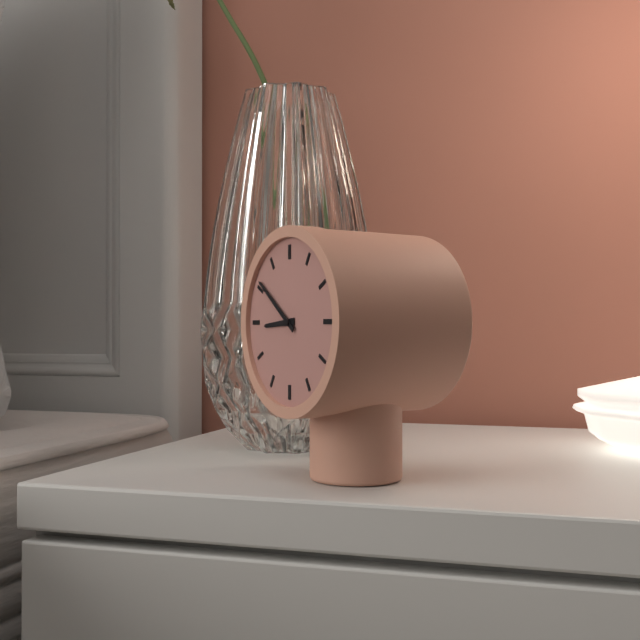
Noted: **8:51**
